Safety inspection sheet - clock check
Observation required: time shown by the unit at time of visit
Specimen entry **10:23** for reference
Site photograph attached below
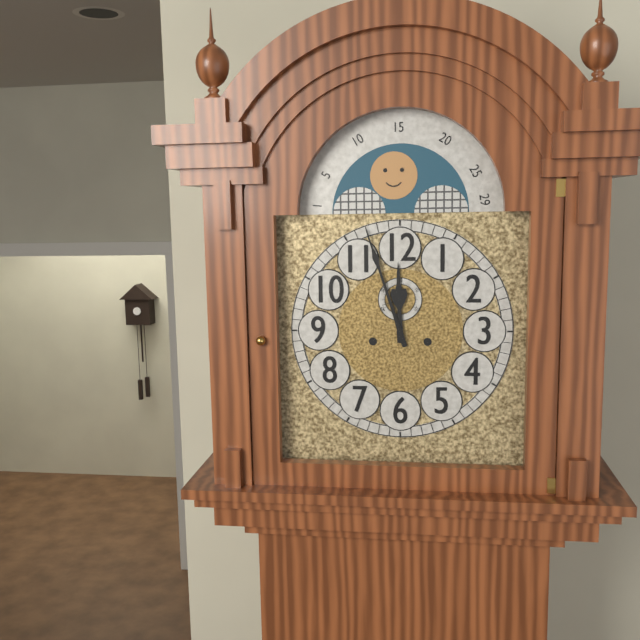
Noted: **11:57**
